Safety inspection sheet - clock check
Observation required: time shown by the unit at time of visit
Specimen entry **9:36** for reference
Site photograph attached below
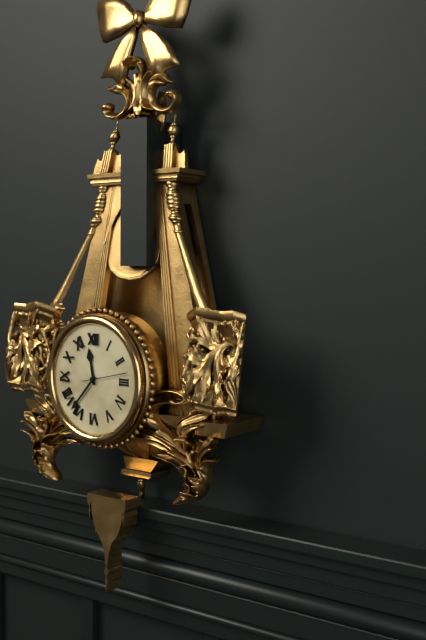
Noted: **11:37**
